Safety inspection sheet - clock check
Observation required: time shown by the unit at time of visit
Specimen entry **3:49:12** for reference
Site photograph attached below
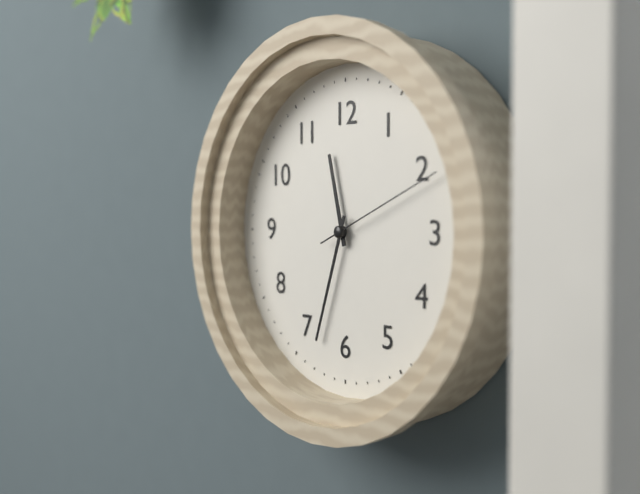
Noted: **11:33:11**
